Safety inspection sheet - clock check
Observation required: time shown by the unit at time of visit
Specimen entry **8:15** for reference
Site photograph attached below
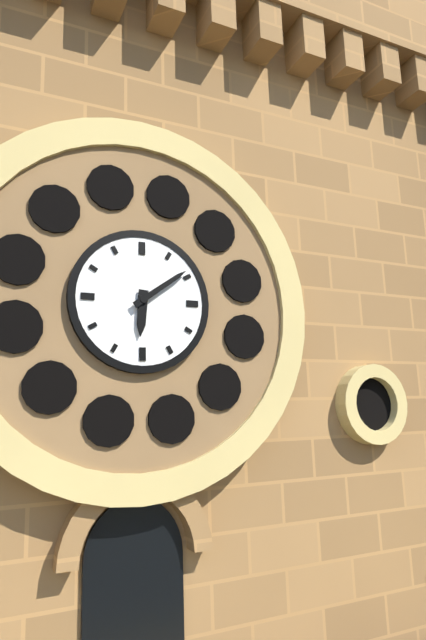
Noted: **6:09**
